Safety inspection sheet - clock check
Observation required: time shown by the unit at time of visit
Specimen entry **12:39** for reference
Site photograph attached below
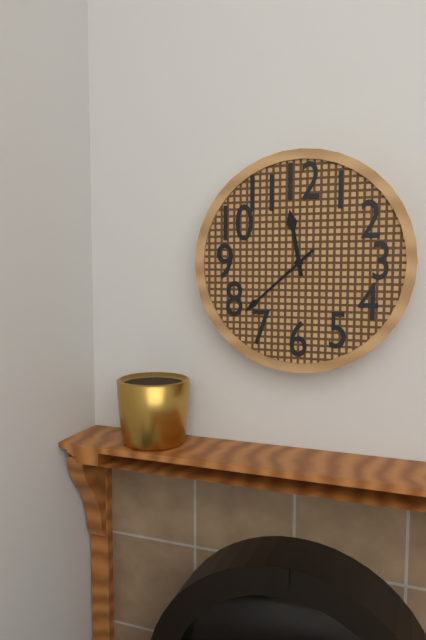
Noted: **11:38**
